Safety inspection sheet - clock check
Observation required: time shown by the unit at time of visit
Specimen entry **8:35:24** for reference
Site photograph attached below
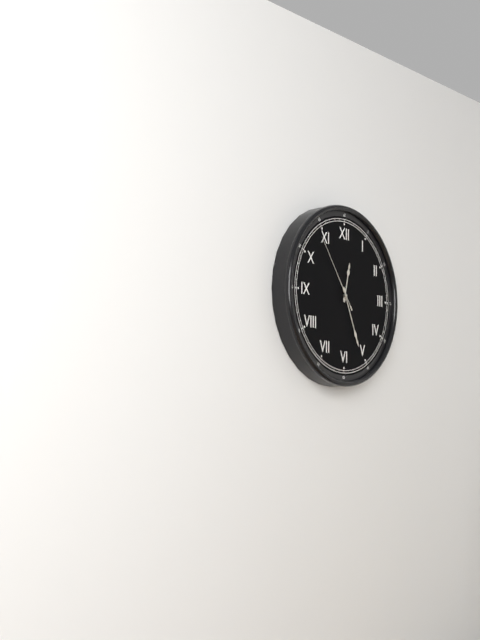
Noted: **12:26:54**
